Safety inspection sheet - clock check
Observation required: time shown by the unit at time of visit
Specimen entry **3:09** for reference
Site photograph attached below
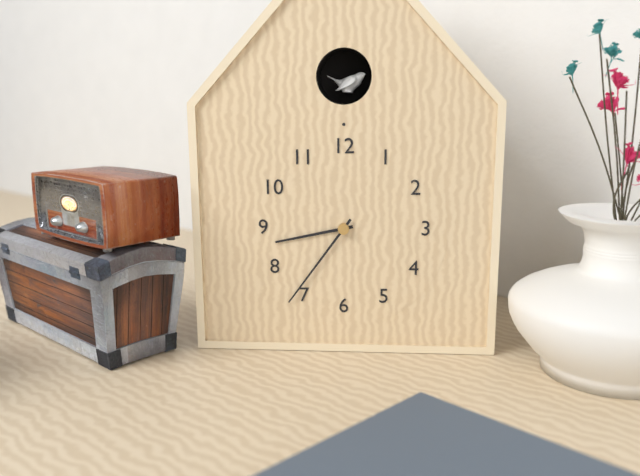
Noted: **8:36**
